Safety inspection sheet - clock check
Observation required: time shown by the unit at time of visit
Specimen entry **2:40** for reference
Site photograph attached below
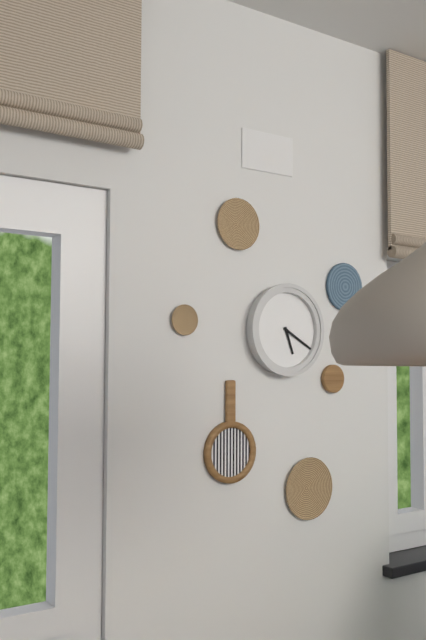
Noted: **5:20**
